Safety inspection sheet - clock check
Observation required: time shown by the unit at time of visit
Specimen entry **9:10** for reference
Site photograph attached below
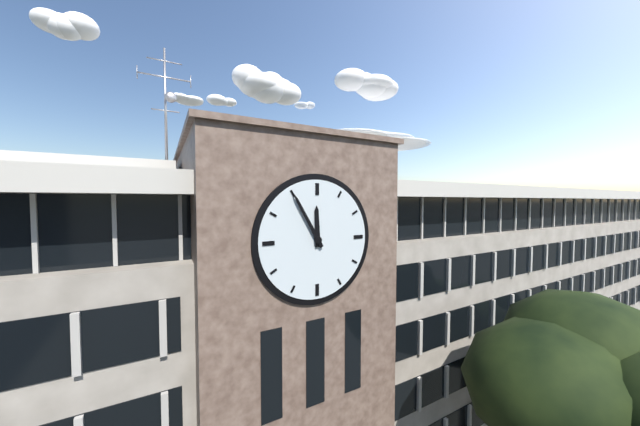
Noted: **11:55**
